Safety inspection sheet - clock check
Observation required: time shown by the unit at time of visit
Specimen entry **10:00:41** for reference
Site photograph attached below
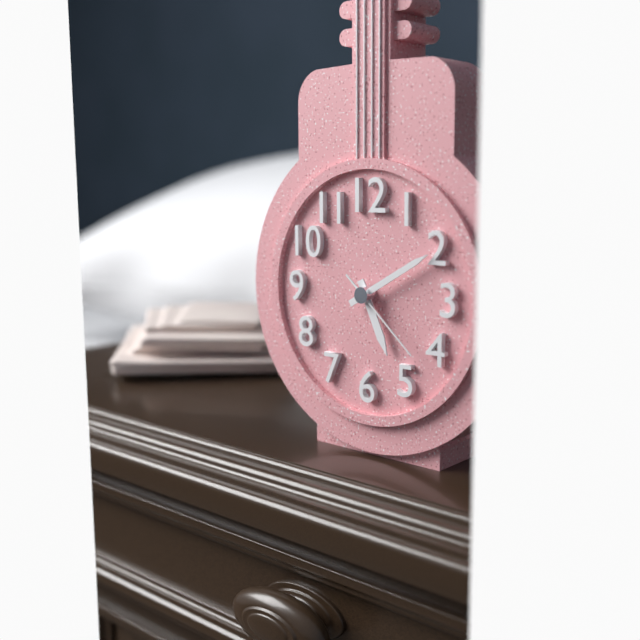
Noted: **5:10:22**
